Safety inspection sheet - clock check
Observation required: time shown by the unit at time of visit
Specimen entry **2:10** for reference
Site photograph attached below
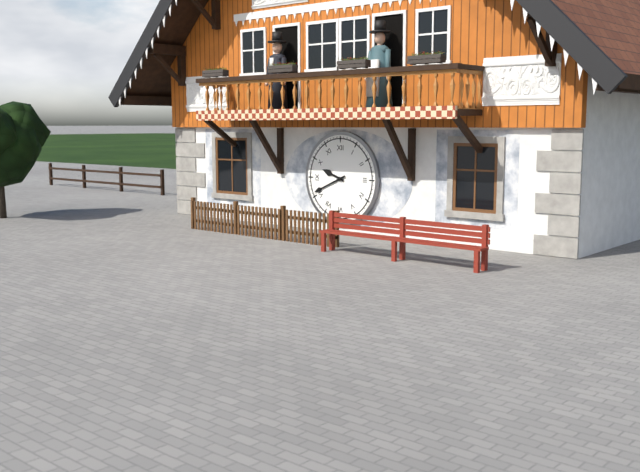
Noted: **9:41**
